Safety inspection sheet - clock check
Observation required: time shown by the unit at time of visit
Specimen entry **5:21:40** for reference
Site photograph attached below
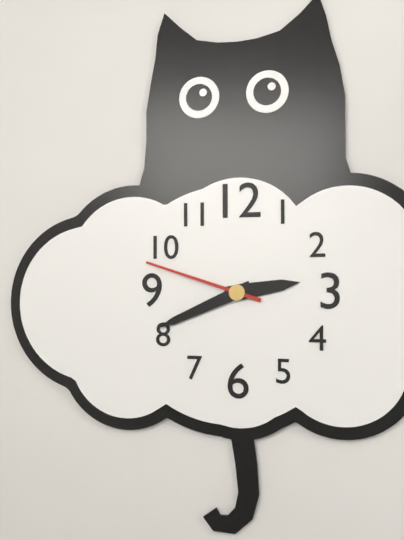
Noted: **2:41:48**
